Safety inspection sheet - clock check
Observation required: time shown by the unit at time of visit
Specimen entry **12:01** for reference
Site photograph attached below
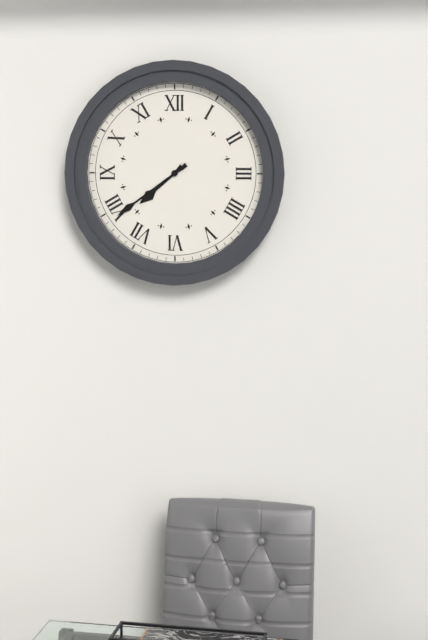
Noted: **7:39**
